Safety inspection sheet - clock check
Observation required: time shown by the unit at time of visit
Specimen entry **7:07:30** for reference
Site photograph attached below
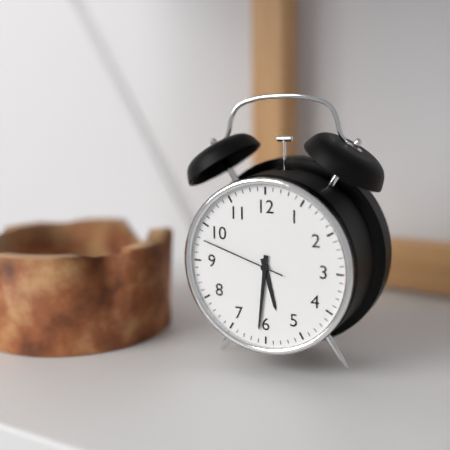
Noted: **5:31:48**
